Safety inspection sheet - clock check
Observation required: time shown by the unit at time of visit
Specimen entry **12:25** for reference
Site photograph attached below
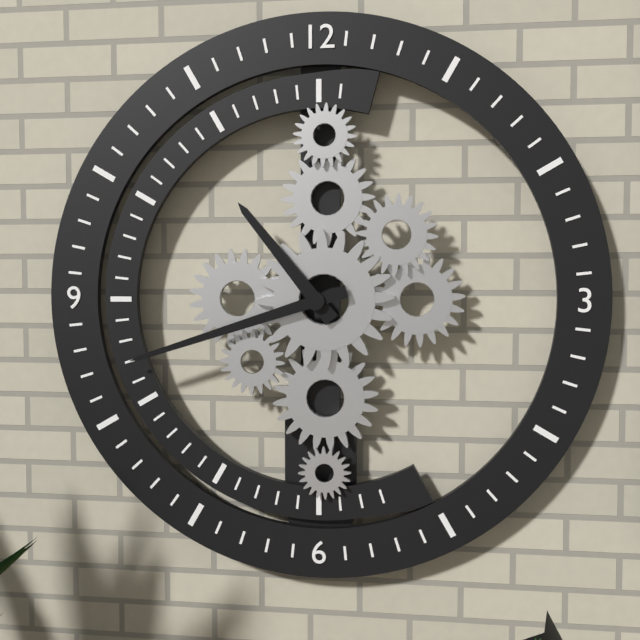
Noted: **10:42**
